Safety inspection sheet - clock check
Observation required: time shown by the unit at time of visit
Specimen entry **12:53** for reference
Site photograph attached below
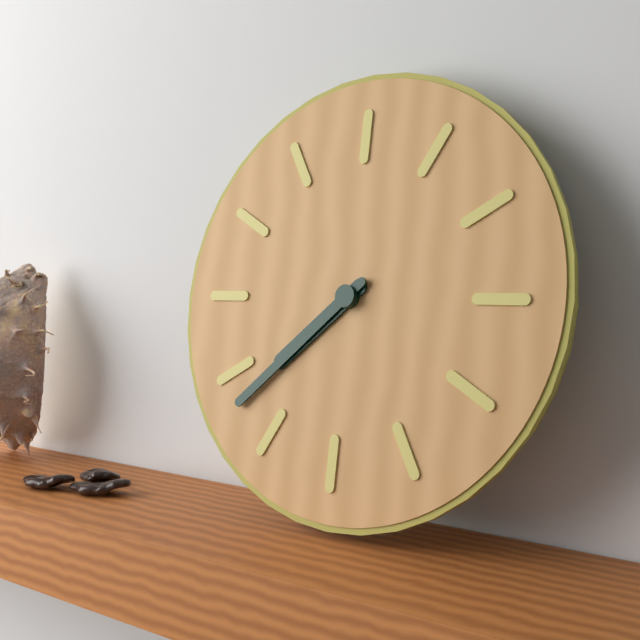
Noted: **7:38**
